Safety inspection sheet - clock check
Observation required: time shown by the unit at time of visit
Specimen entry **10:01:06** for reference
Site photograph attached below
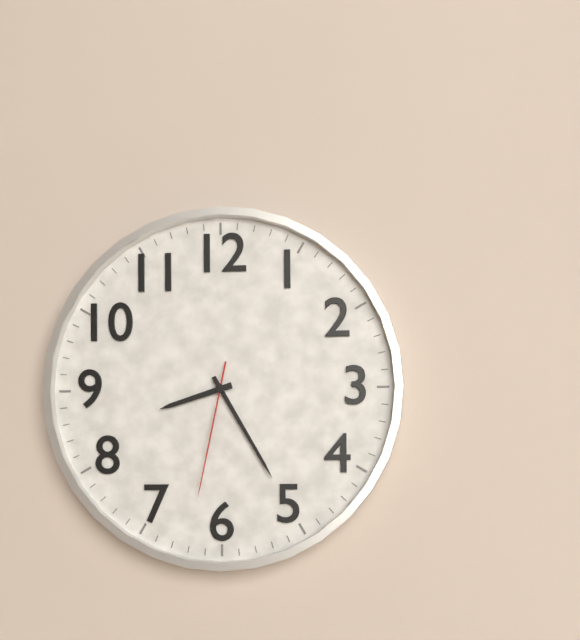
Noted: **8:25:32**
